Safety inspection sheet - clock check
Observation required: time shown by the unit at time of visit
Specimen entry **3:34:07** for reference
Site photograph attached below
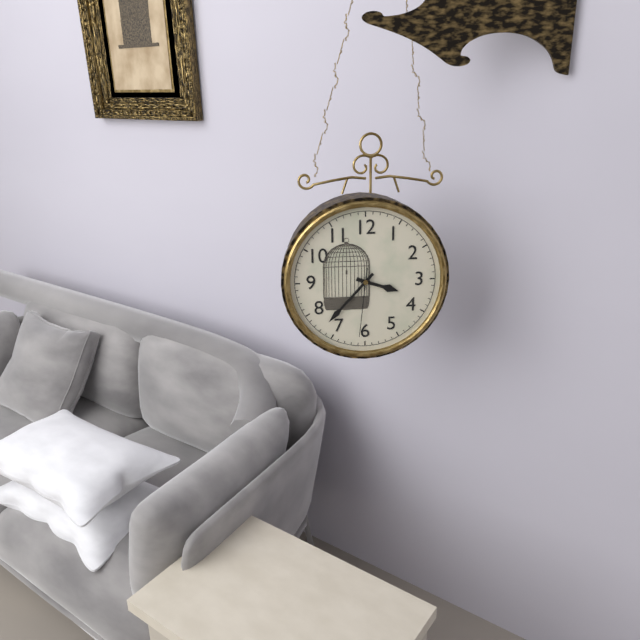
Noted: **3:37:31**
